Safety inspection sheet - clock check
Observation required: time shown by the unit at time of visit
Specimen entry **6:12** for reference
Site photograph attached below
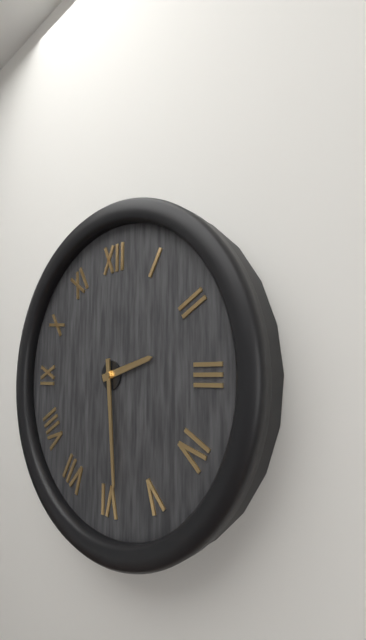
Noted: **2:29**
